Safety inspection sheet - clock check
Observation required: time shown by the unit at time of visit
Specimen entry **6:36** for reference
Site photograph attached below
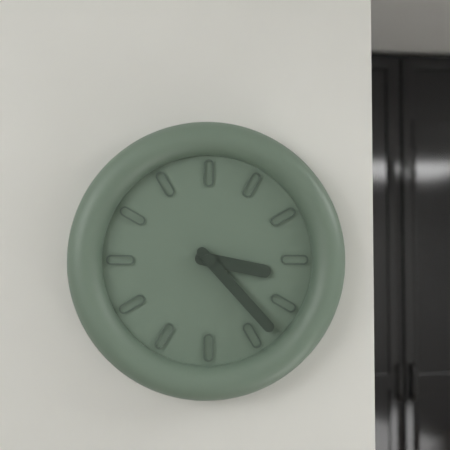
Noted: **3:23**
